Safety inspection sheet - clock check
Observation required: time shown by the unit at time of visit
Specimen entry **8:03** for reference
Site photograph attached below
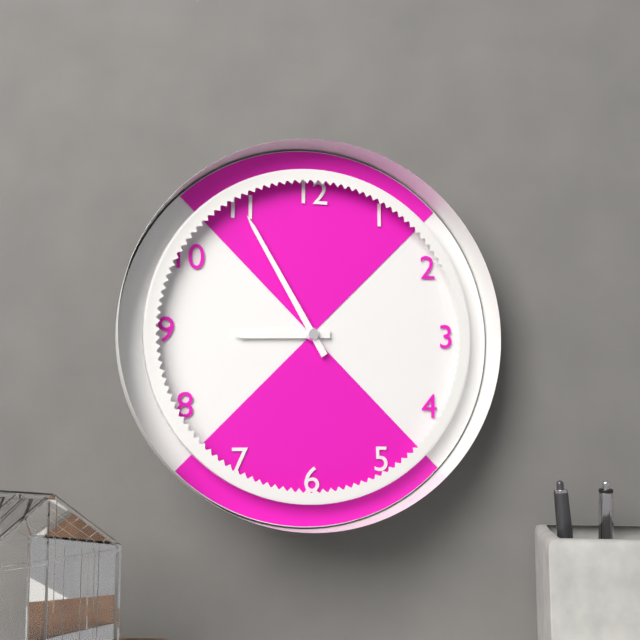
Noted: **8:55**
